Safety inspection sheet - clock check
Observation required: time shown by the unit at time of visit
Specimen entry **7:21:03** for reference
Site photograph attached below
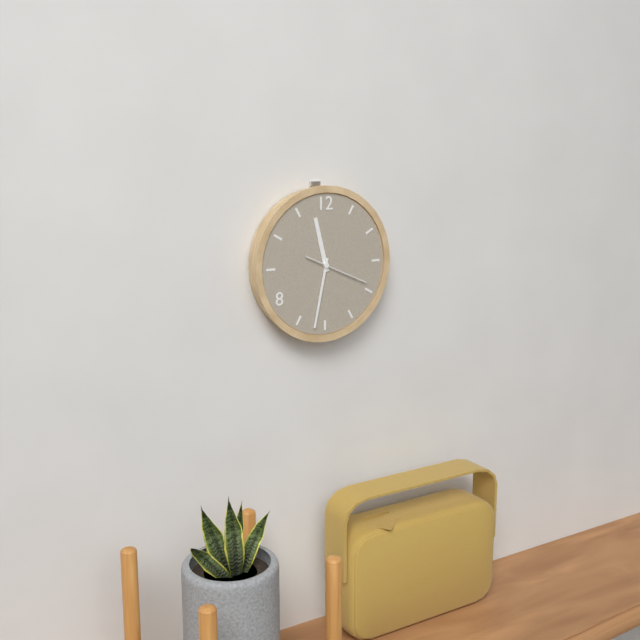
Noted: **11:32:19**
